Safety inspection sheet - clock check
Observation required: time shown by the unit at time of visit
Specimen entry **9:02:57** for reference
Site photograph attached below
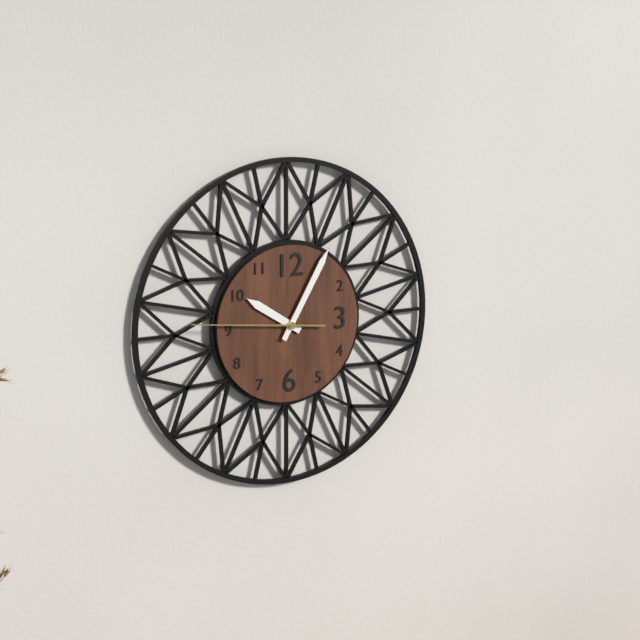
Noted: **10:05:46**
